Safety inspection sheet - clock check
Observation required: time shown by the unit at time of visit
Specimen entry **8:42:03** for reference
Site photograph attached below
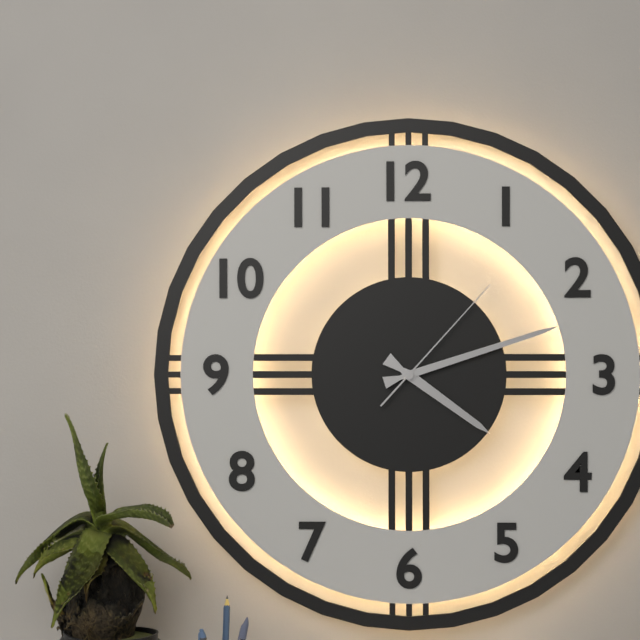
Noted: **4:12:07**
